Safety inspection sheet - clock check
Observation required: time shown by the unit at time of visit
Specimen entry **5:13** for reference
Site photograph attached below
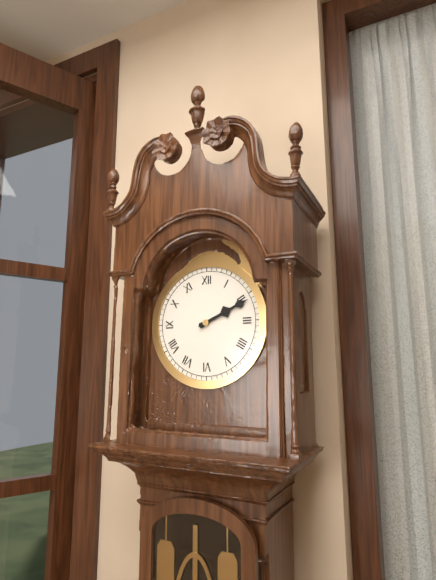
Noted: **2:11**
